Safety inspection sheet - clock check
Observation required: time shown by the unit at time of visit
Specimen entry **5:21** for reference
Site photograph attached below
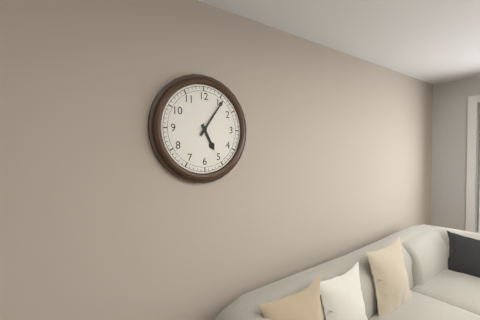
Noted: **5:06**
